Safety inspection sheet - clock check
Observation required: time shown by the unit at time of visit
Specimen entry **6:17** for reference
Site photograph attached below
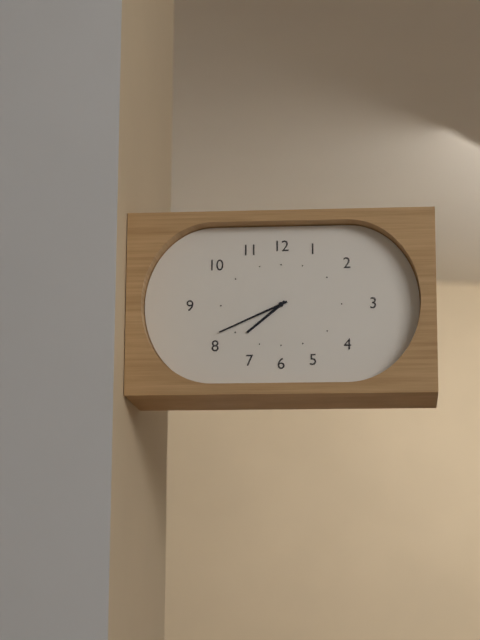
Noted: **7:41**
